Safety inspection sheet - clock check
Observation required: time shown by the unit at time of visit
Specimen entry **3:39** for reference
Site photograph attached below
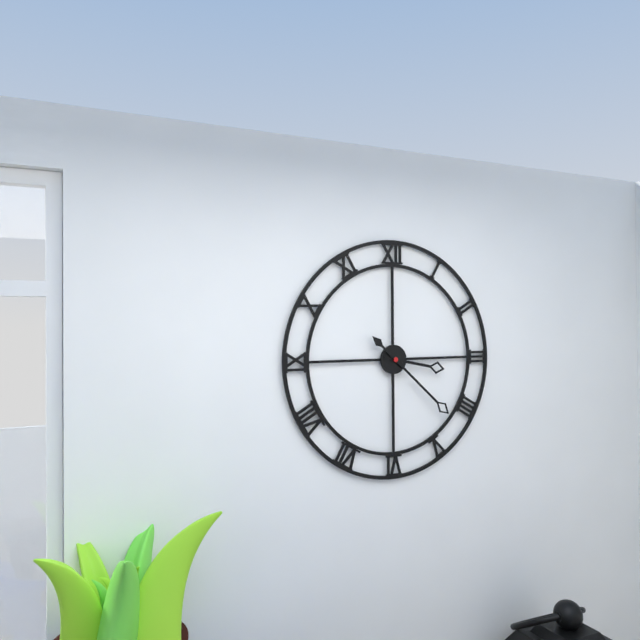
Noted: **3:22**
